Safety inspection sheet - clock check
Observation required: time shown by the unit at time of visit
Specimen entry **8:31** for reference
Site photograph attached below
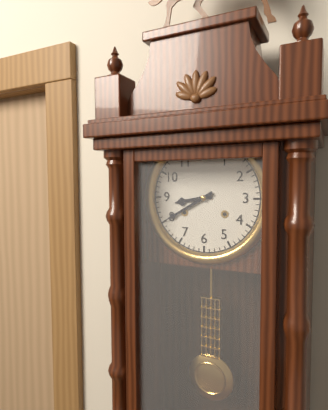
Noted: **8:40**
